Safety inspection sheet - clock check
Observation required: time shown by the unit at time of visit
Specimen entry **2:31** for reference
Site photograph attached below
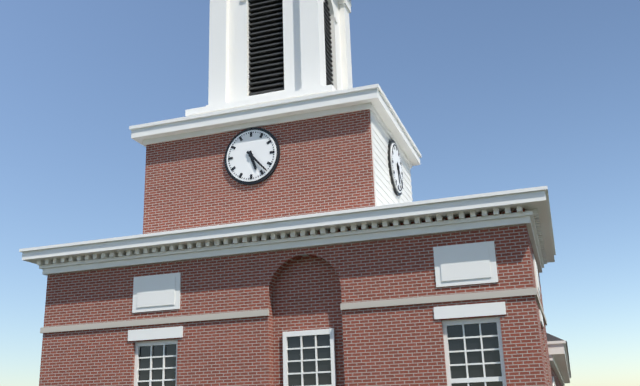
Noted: **5:23**
